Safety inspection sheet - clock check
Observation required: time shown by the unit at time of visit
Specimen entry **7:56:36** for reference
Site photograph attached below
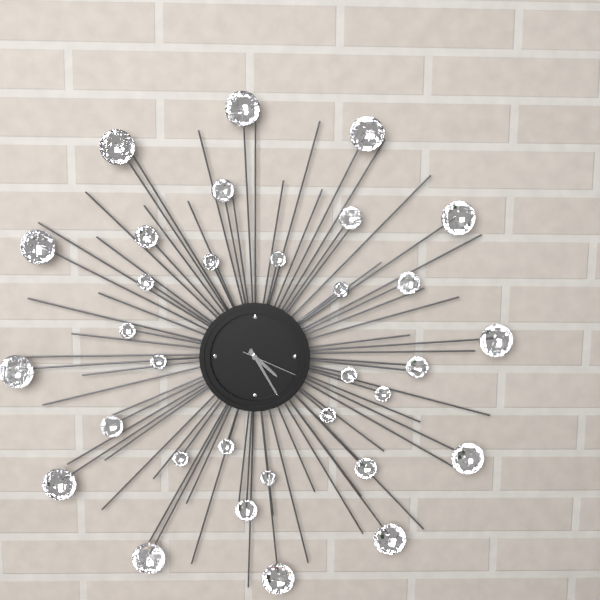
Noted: **4:25:19**
